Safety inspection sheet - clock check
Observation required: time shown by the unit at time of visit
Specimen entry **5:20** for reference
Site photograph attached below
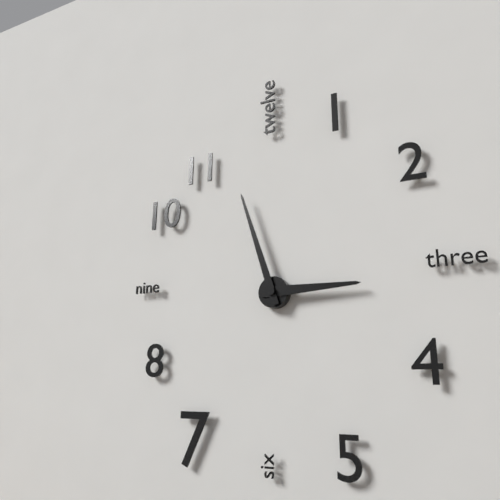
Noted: **2:57**
